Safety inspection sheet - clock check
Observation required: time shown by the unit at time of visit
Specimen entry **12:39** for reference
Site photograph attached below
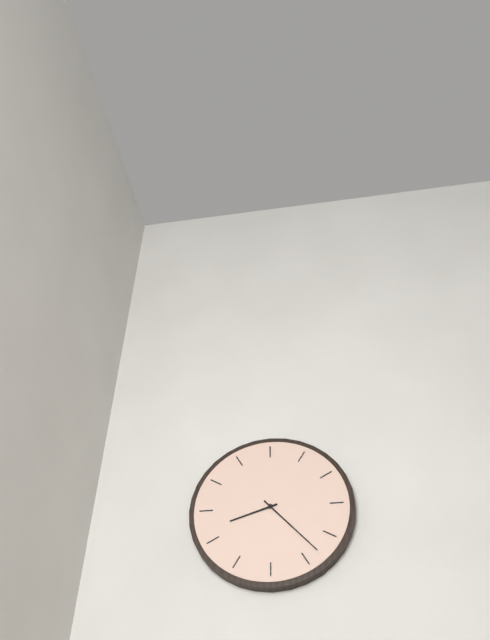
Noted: **8:23**
